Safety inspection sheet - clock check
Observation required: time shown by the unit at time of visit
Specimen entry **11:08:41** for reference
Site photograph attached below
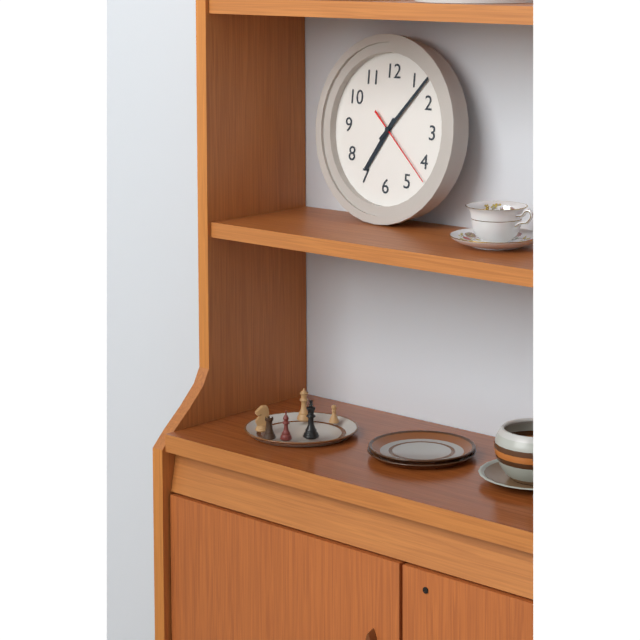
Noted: **7:07:22**
